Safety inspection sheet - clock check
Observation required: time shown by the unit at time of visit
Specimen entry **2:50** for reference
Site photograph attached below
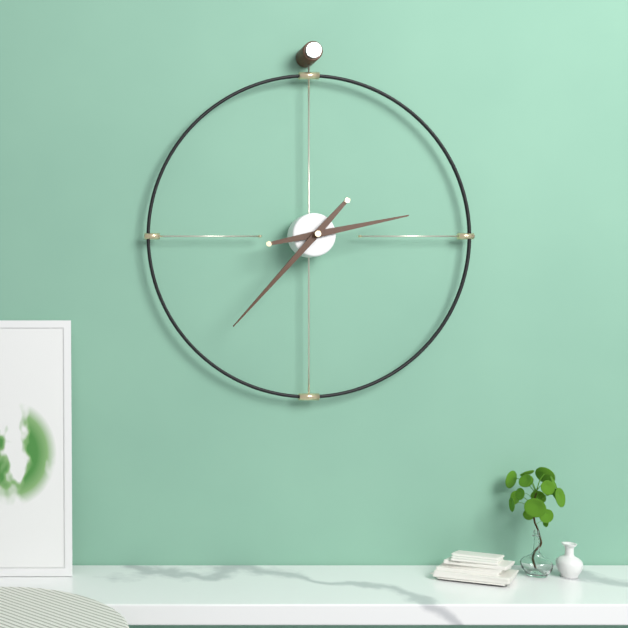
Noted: **2:37**
